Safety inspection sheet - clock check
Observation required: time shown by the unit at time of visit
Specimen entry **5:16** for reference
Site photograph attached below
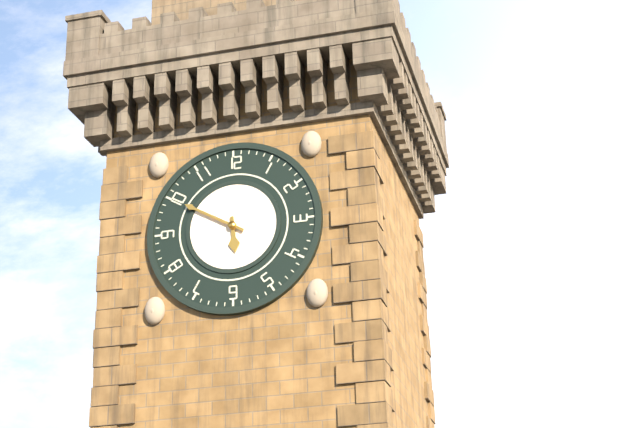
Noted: **5:50**
